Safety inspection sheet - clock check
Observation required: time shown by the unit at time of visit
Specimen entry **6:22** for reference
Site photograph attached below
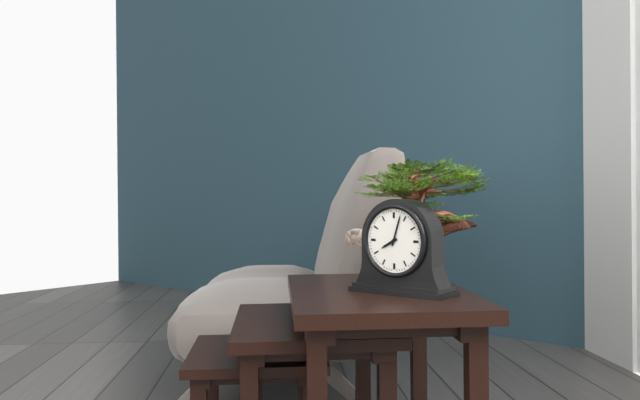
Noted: **8:03**
